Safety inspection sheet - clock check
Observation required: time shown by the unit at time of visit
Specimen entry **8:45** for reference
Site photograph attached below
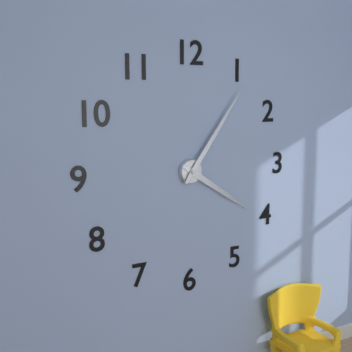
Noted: **4:06**
